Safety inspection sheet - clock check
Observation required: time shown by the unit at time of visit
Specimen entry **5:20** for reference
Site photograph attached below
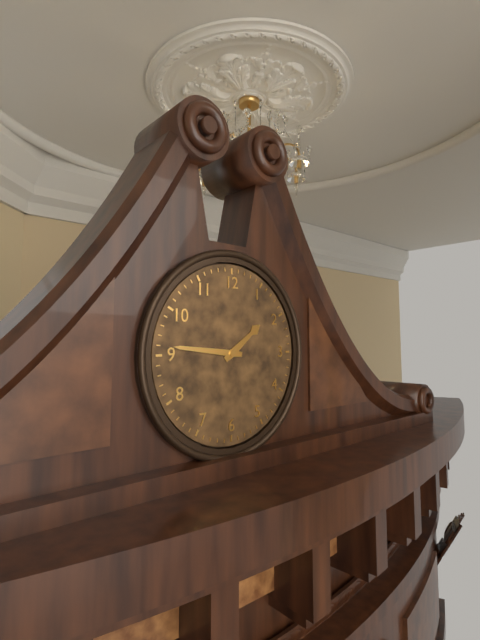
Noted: **1:46**
